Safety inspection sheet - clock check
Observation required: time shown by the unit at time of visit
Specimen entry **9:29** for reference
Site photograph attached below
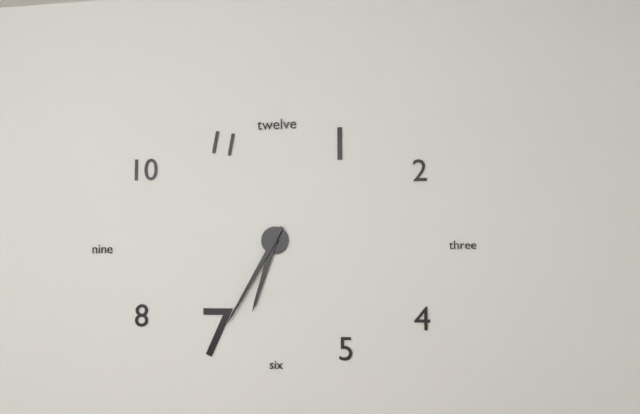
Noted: **6:35**
